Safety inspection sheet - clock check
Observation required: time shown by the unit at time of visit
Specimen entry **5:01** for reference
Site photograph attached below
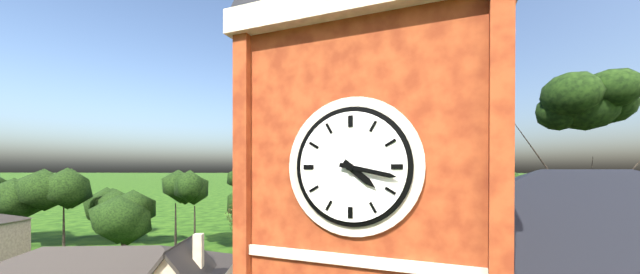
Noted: **4:17**
